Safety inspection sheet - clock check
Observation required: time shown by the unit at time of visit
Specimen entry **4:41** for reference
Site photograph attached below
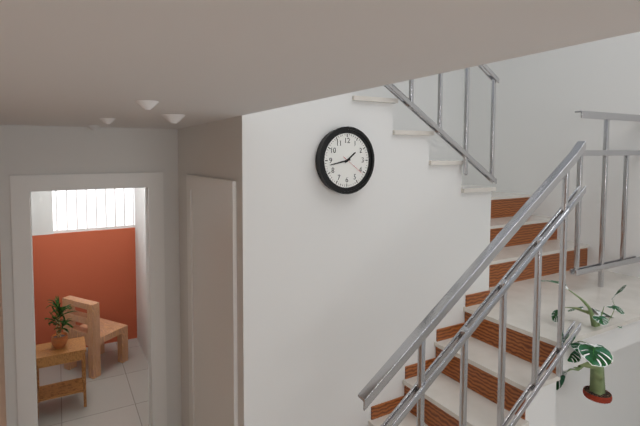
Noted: **1:43**
